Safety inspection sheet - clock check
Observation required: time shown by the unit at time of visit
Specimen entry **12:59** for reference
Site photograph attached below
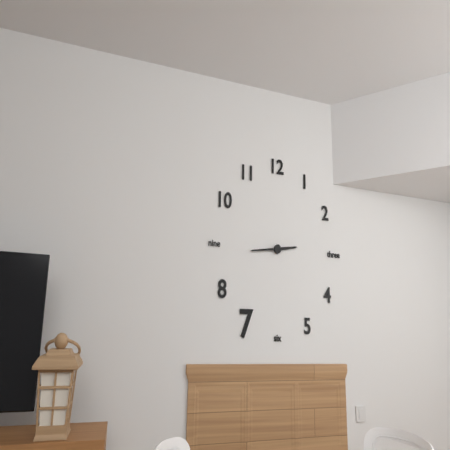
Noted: **2:44**
